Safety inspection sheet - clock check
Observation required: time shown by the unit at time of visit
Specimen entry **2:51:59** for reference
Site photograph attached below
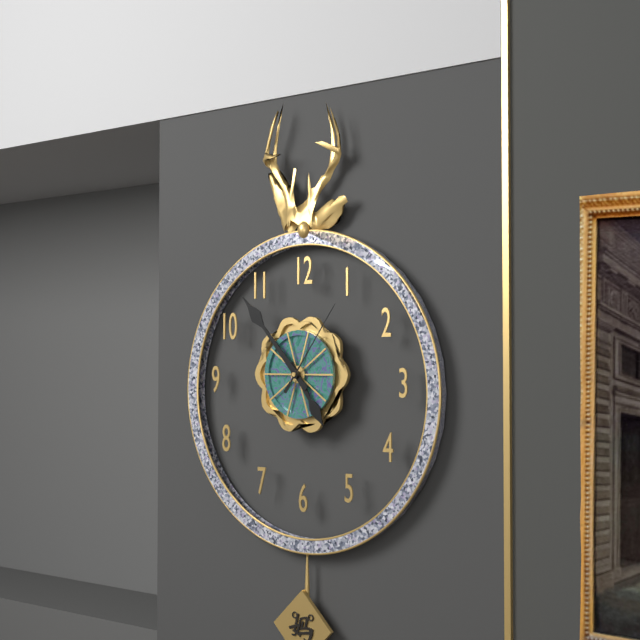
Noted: **4:53:06**
